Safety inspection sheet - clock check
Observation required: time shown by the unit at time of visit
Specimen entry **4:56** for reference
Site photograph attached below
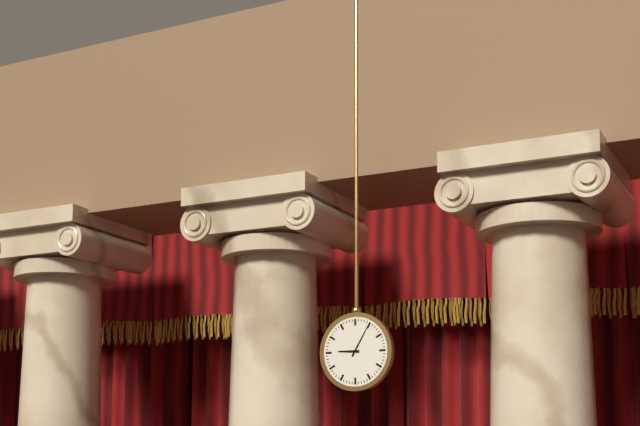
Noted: **9:05**
